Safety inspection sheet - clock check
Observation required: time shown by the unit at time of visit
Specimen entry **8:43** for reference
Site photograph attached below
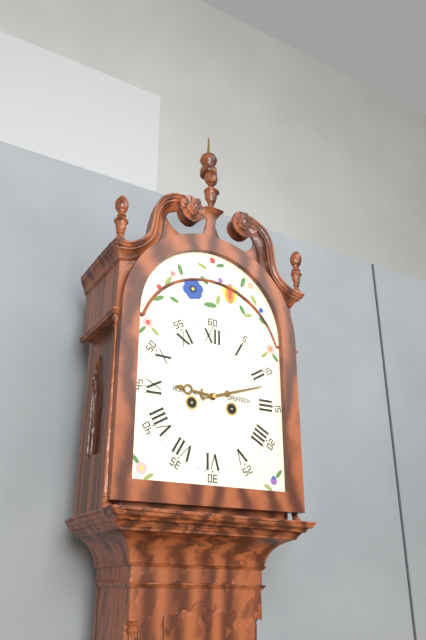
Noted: **9:12**
